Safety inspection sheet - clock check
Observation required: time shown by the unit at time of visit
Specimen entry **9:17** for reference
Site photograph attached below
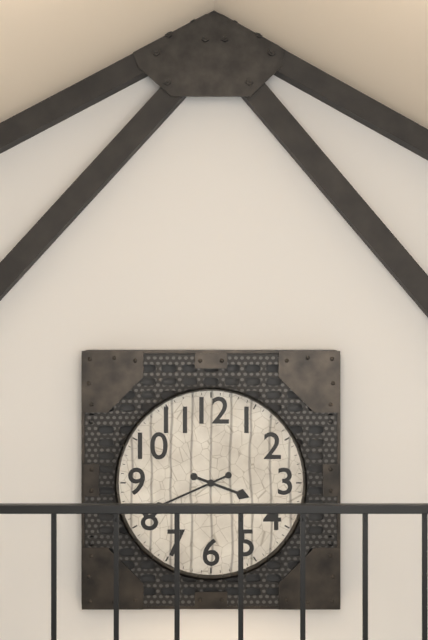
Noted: **3:41**
